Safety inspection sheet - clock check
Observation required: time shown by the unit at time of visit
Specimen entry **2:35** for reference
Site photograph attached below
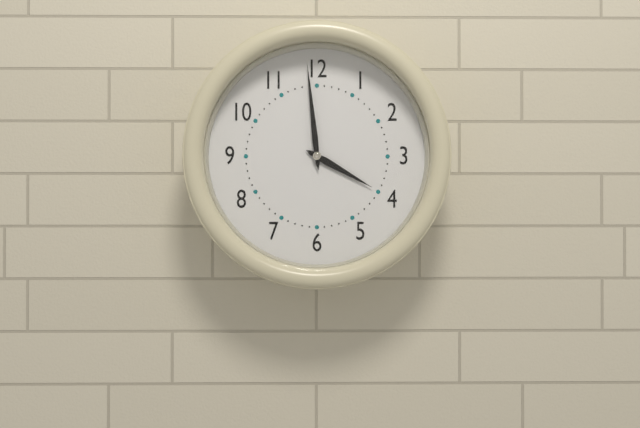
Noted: **3:59**
